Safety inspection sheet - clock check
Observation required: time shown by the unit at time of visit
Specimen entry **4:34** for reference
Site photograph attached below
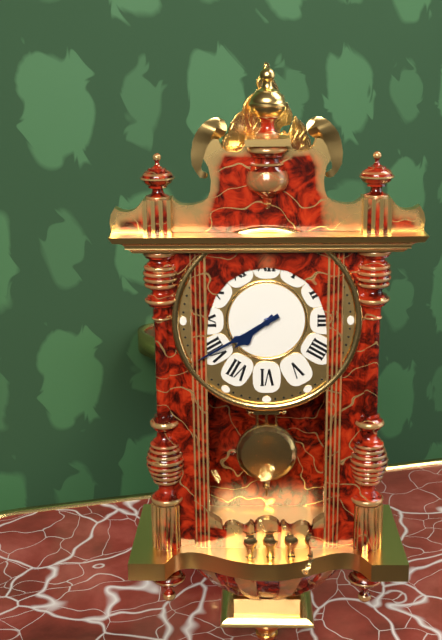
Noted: **7:40**
